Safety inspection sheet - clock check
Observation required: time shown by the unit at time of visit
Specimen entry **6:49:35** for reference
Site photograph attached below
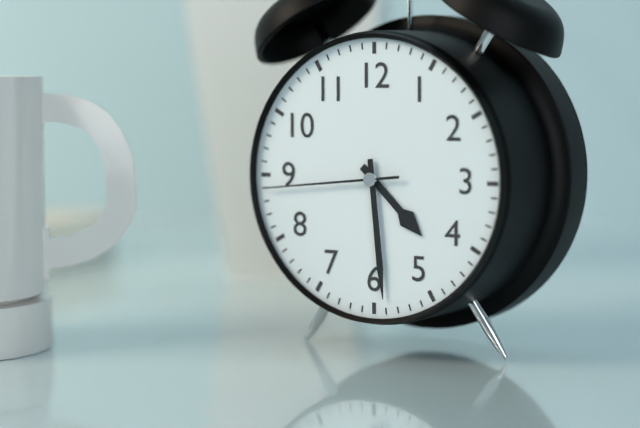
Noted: **4:29:44**
